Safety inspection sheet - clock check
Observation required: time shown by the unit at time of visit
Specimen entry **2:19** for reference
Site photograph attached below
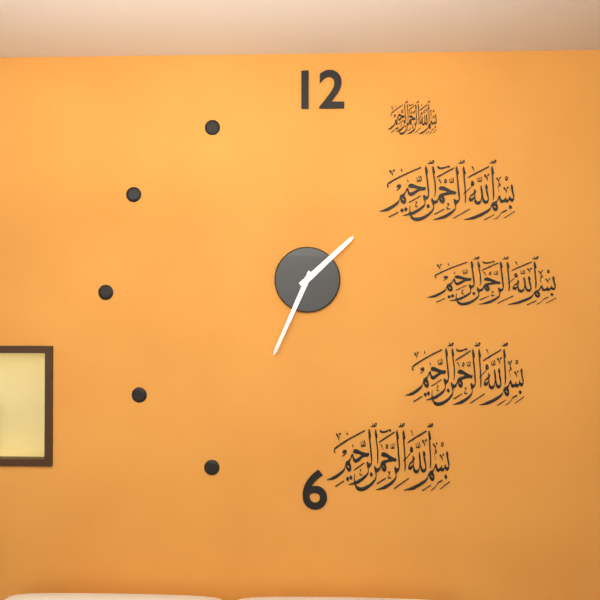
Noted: **1:34**
